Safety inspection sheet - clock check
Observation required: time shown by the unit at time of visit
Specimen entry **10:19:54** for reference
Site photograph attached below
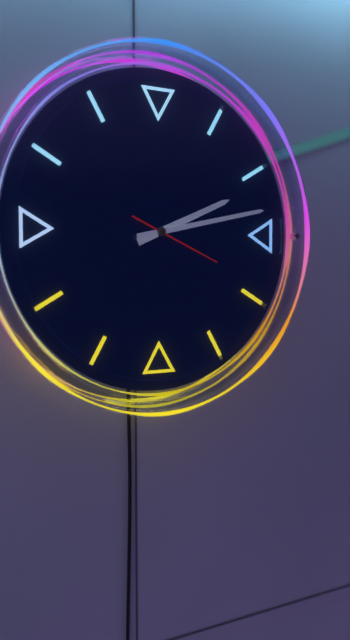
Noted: **2:13:19**
